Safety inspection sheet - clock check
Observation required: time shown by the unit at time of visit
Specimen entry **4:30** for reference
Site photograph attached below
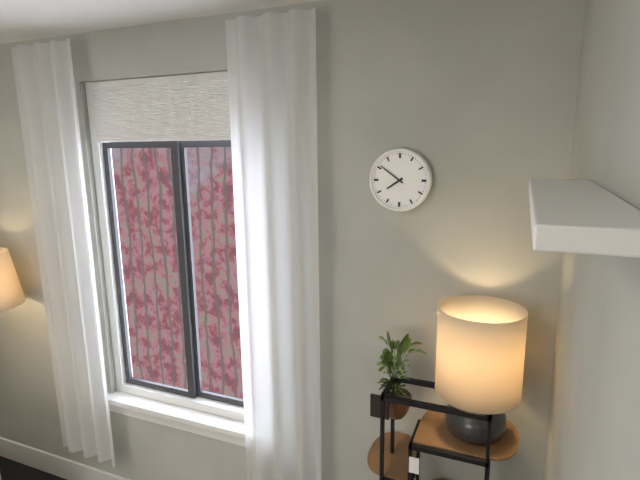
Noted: **7:51**
